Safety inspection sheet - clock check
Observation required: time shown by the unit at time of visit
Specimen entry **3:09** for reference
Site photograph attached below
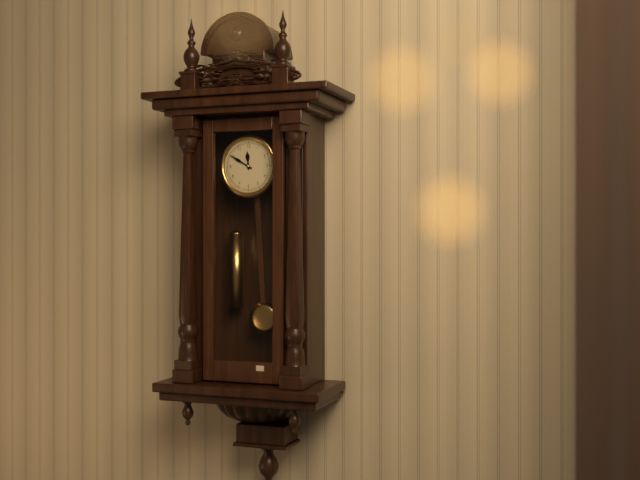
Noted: **11:50**
